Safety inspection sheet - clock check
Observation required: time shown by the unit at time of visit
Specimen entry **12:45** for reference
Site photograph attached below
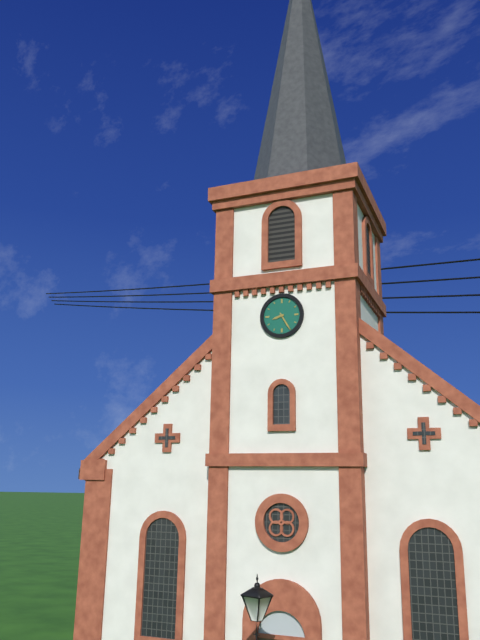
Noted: **8:25**
